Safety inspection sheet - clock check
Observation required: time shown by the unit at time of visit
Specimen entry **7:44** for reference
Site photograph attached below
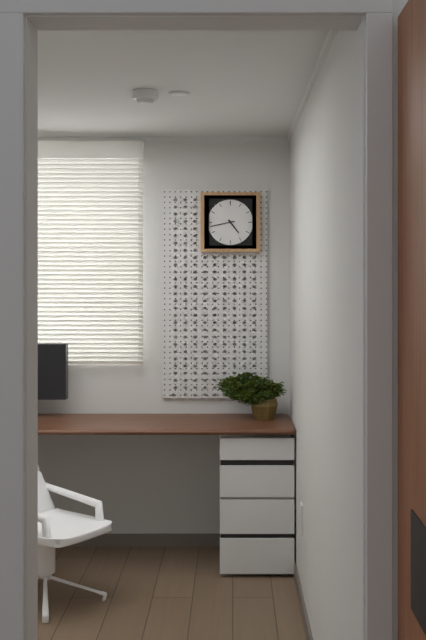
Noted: **4:43**
